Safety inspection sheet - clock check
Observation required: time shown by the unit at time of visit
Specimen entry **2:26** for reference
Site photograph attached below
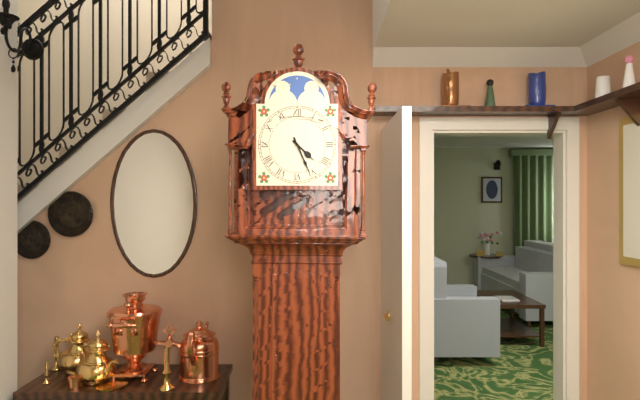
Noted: **4:26**
